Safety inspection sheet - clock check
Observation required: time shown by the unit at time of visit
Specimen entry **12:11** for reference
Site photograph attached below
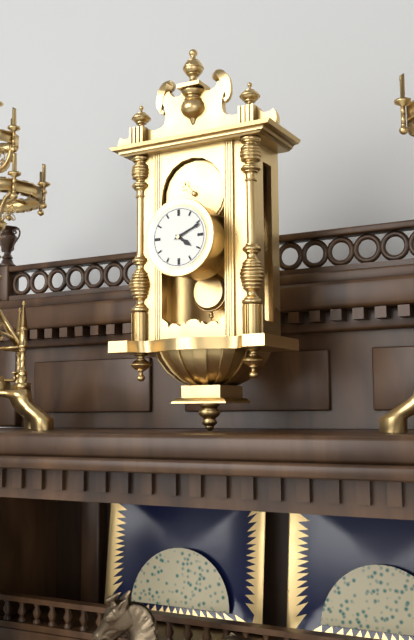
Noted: **4:11**
